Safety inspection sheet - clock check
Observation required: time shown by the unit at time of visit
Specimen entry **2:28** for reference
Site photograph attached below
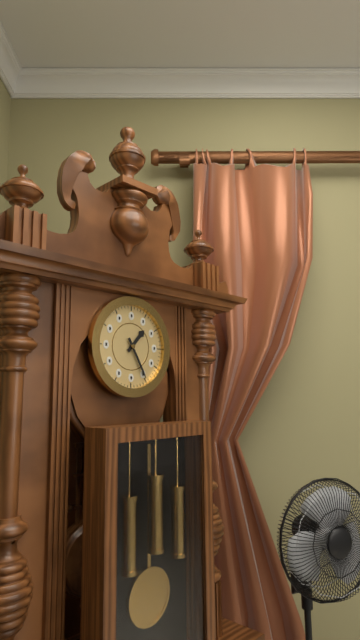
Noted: **1:25**
